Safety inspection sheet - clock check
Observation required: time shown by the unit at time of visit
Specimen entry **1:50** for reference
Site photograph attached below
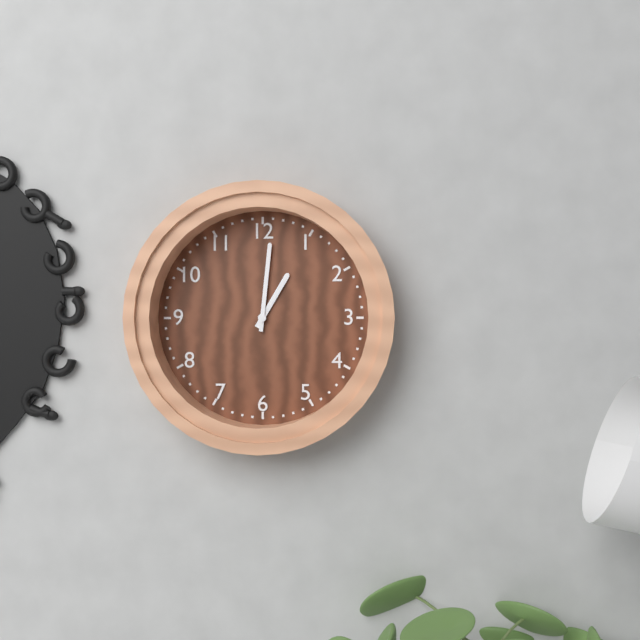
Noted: **1:01**
